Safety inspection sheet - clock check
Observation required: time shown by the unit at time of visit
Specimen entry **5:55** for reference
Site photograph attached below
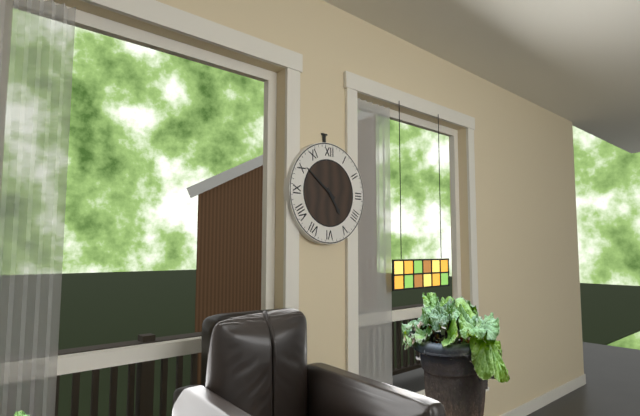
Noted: **4:51**
